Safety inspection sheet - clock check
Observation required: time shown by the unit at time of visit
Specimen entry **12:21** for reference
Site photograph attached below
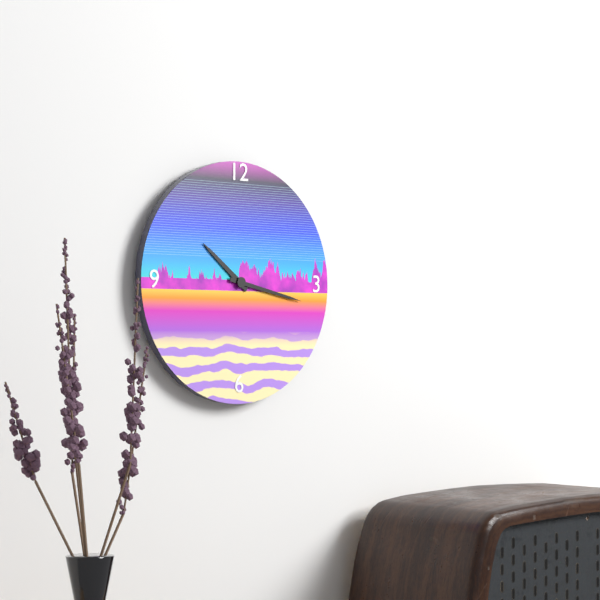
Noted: **10:17**
